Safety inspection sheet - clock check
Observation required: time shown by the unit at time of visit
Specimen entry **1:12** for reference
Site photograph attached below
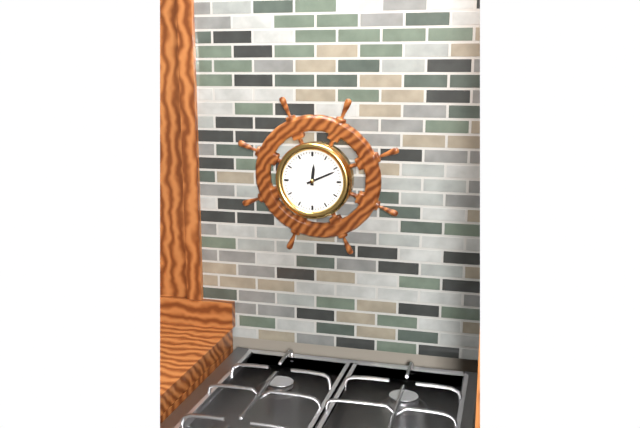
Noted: **12:11**
